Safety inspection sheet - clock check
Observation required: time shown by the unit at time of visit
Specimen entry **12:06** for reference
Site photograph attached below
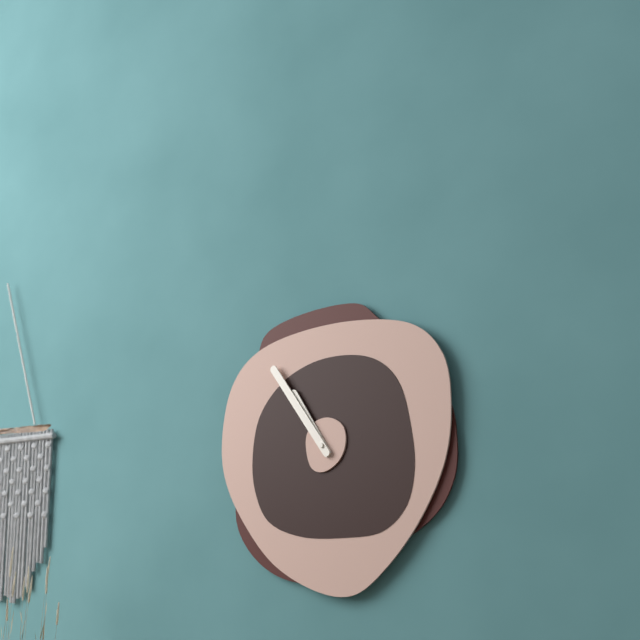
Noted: **10:54**
